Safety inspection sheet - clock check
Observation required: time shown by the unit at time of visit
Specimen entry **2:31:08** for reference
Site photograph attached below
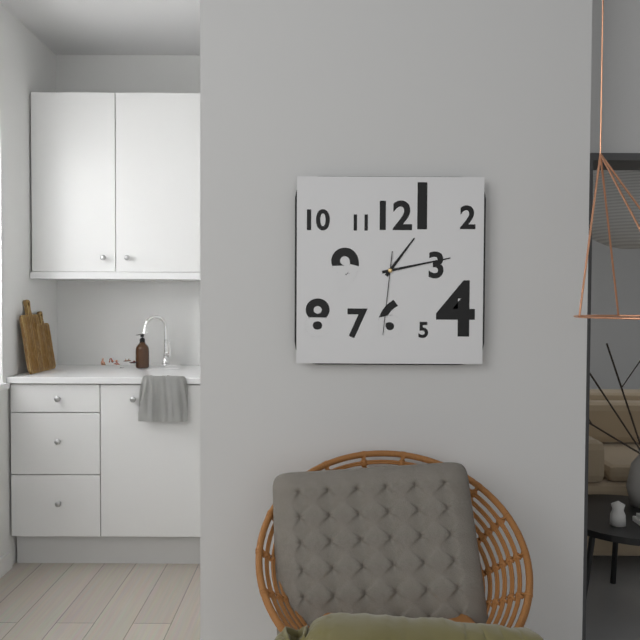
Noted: **1:13:31**
